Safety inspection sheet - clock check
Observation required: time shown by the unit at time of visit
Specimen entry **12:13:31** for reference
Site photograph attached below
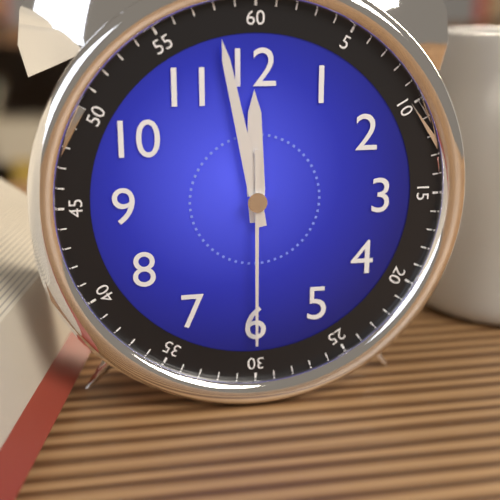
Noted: **11:58:30**
